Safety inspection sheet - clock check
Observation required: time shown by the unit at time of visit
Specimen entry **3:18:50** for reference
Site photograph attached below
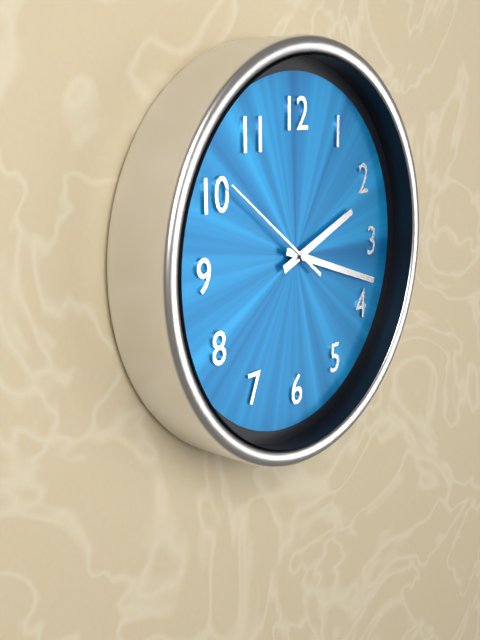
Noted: **2:18:51**
